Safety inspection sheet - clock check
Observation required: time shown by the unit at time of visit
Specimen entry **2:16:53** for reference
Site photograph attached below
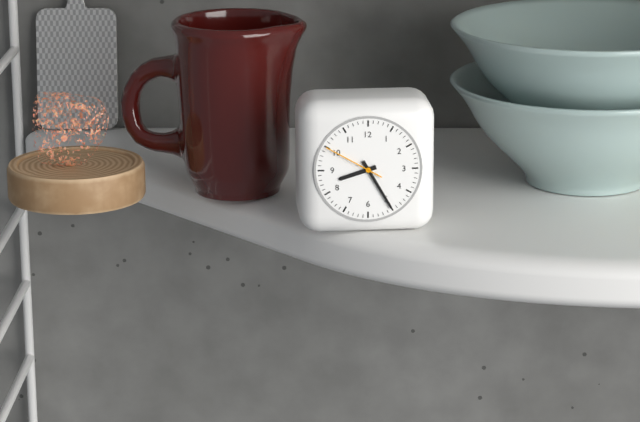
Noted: **8:25:50**
